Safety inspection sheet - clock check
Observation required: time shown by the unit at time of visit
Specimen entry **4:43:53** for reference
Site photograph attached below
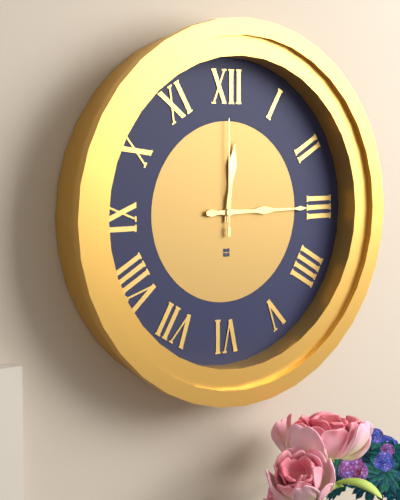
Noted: **12:15:00**
